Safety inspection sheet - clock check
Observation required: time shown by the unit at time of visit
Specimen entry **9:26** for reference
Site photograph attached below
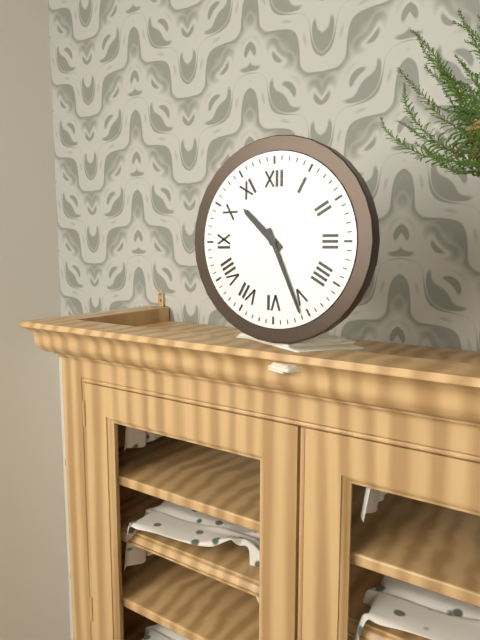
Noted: **10:26**
